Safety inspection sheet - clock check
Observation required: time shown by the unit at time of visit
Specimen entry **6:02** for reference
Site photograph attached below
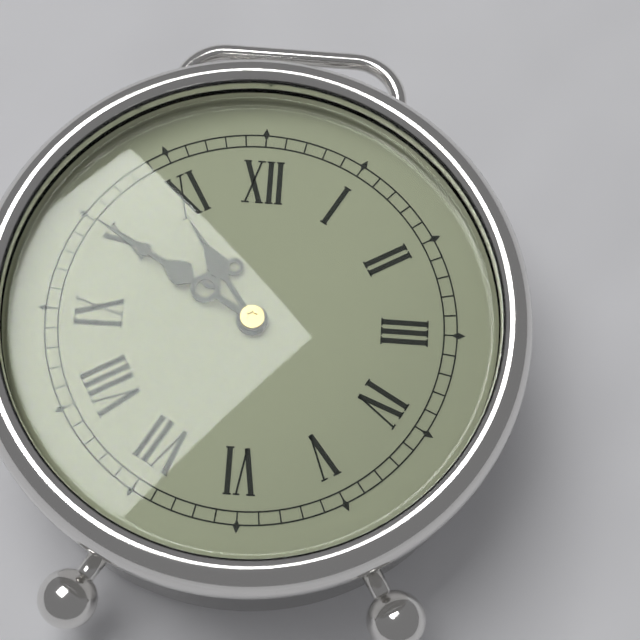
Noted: **10:50**
